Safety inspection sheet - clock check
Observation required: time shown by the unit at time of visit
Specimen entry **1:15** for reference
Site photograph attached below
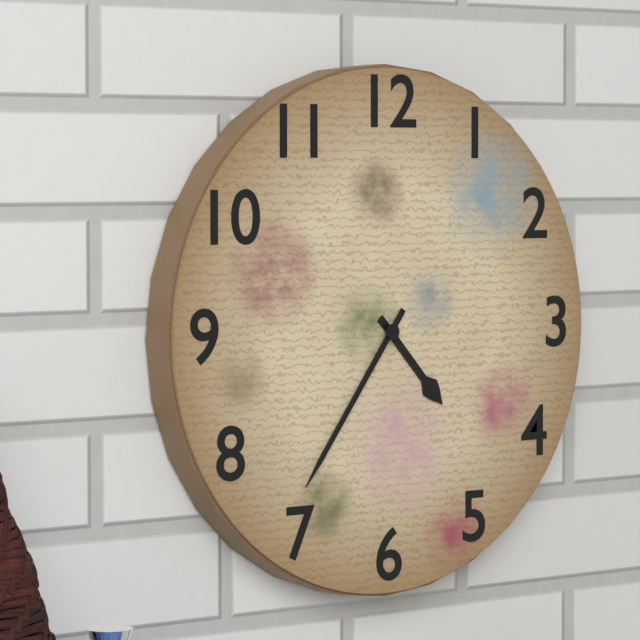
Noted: **4:36**
